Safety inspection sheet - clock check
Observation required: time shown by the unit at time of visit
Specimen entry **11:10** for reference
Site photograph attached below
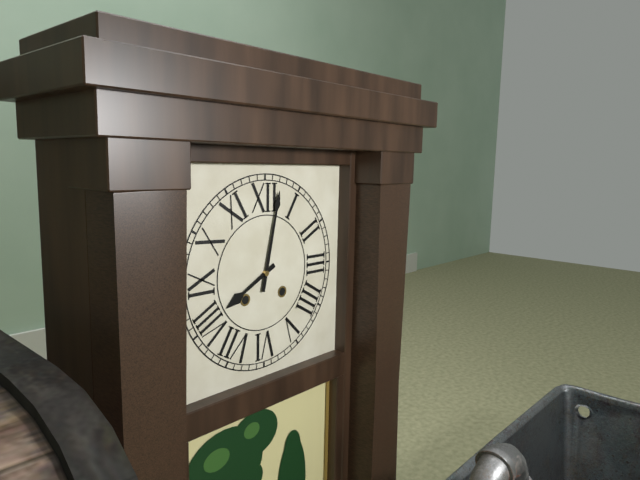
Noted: **8:02**
